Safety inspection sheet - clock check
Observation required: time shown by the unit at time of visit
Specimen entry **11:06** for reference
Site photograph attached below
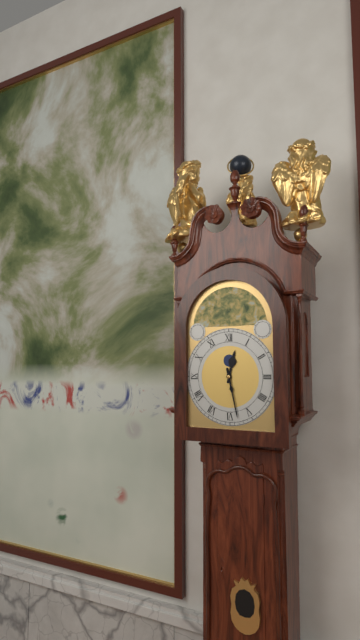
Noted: **12:28**
